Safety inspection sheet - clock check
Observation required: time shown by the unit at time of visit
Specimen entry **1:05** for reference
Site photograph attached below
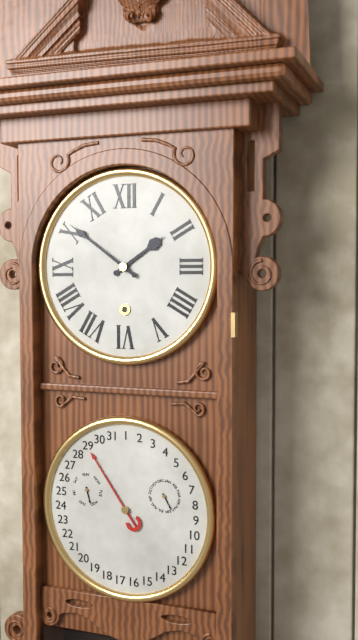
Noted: **1:51**
